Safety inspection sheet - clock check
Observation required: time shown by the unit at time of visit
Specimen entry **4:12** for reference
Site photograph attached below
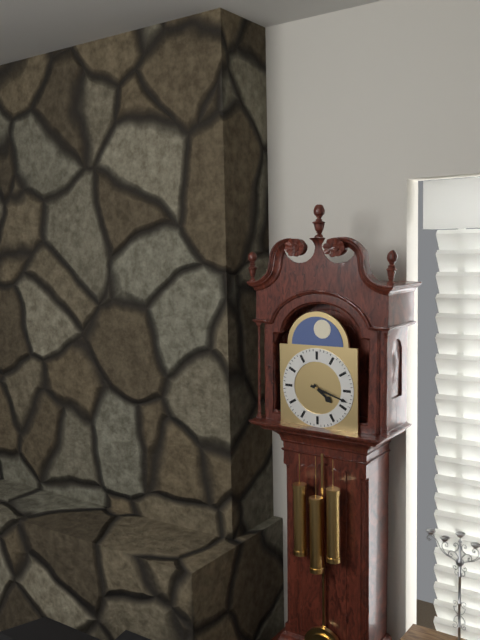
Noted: **4:18**
